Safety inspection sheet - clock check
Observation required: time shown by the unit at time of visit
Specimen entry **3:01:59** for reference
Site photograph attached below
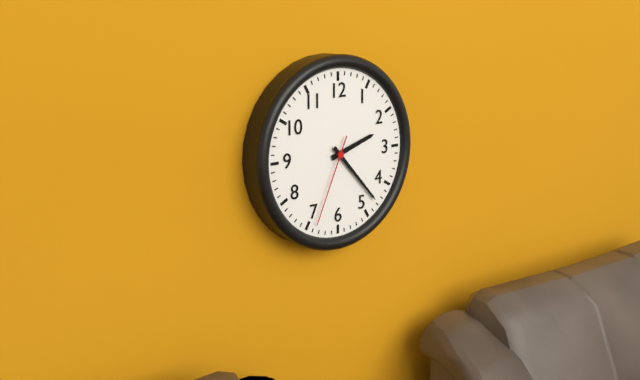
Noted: **2:23:34**
